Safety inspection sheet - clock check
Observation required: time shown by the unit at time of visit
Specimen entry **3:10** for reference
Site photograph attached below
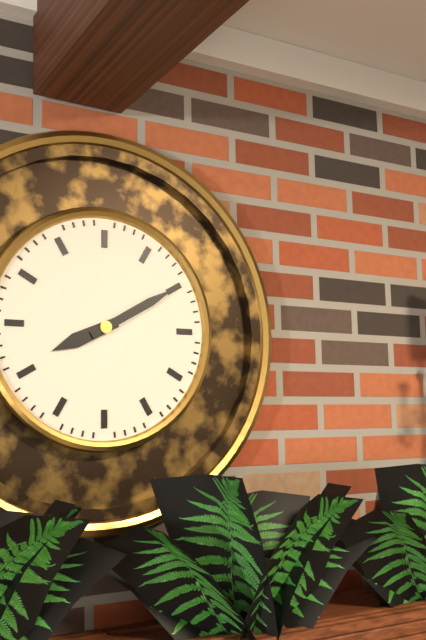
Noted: **8:10**
